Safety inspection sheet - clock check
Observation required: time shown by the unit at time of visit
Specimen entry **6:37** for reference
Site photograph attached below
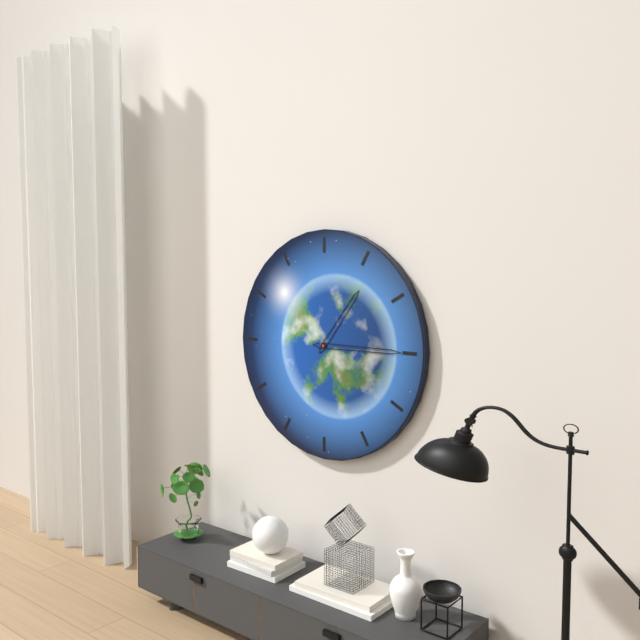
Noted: **1:15**
